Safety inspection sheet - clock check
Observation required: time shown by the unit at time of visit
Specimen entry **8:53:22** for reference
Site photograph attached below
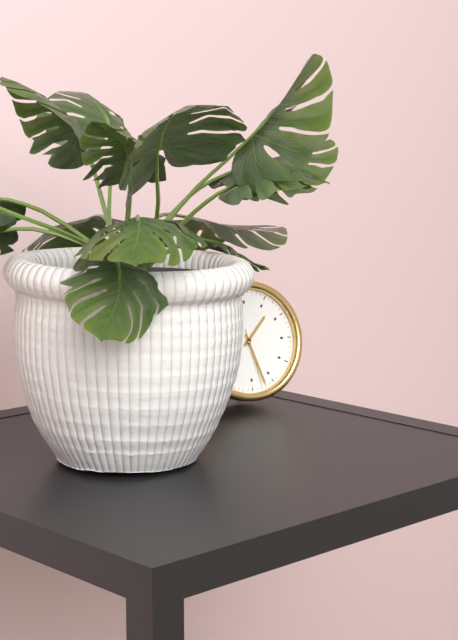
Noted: **1:27:28**
